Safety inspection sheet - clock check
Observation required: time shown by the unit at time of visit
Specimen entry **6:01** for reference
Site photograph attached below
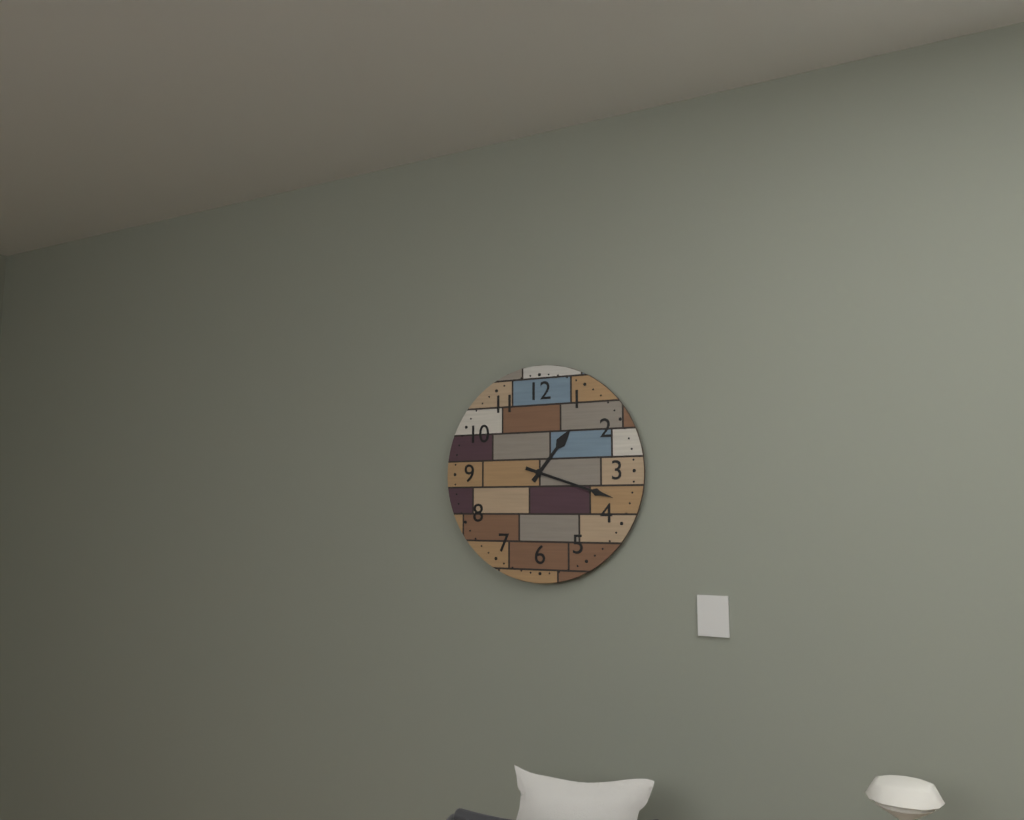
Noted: **1:18**
